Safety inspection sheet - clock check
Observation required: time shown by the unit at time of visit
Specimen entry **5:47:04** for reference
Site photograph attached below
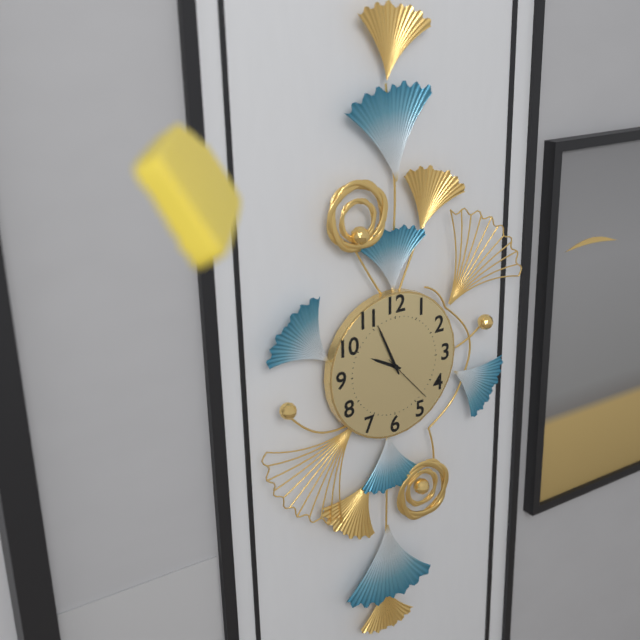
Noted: **9:56:23**
